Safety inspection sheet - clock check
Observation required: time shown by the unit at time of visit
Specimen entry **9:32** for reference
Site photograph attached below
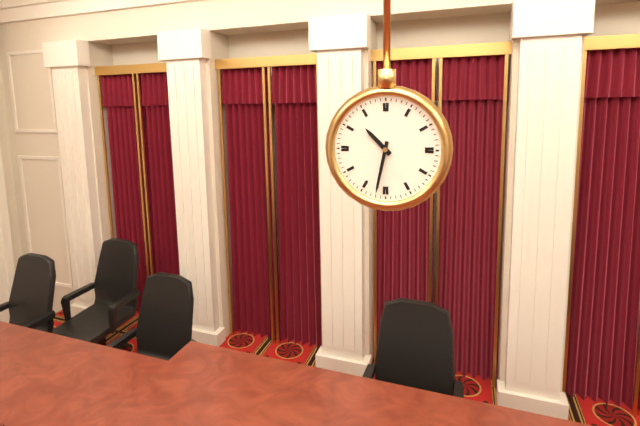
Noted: **10:32**
